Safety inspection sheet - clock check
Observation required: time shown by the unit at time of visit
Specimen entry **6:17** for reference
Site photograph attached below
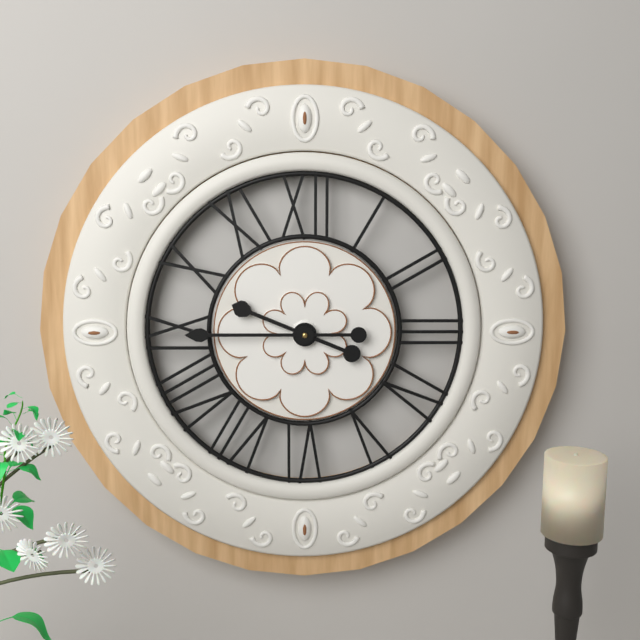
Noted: **9:45**
